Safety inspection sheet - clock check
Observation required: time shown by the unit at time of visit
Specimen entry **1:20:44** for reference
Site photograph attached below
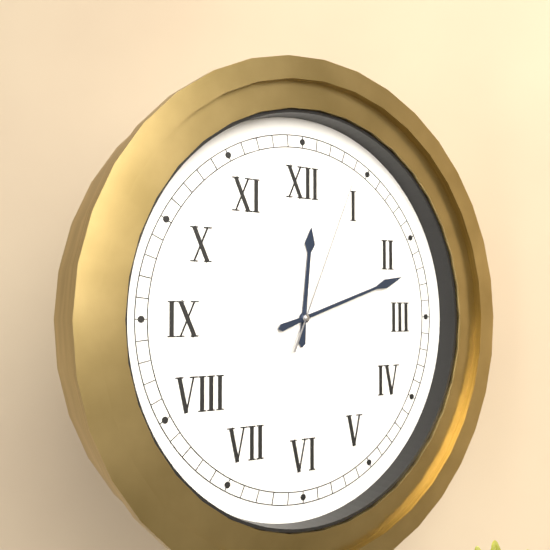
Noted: **12:12:04**
